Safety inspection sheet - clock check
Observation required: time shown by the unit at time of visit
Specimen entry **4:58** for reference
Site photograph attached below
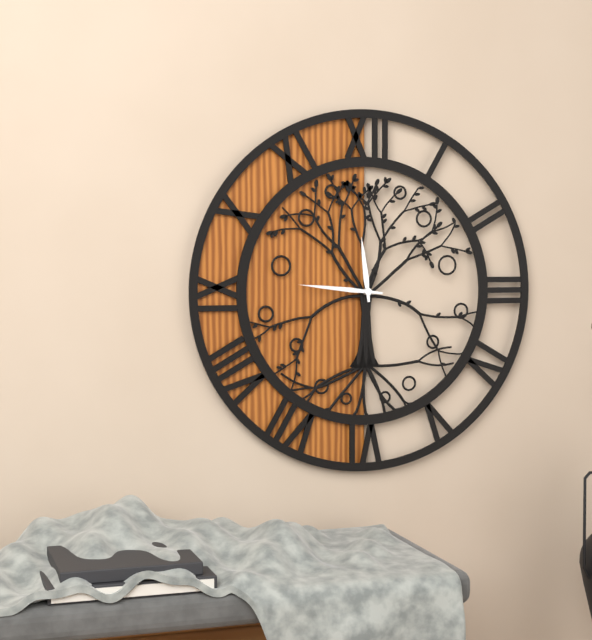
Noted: **11:46**
